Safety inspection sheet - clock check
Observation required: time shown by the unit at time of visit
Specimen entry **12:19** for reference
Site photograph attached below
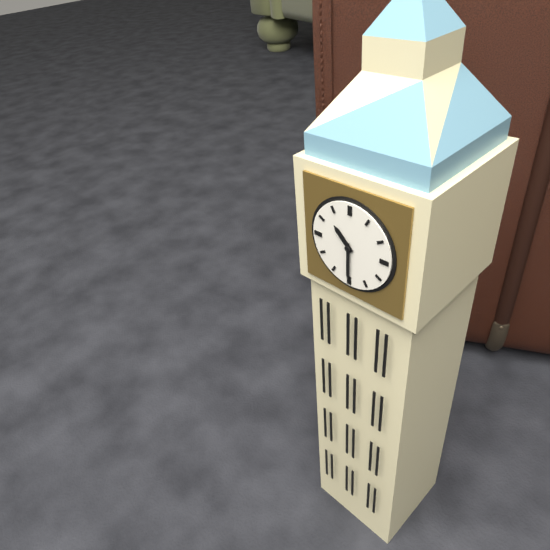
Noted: **10:30**
